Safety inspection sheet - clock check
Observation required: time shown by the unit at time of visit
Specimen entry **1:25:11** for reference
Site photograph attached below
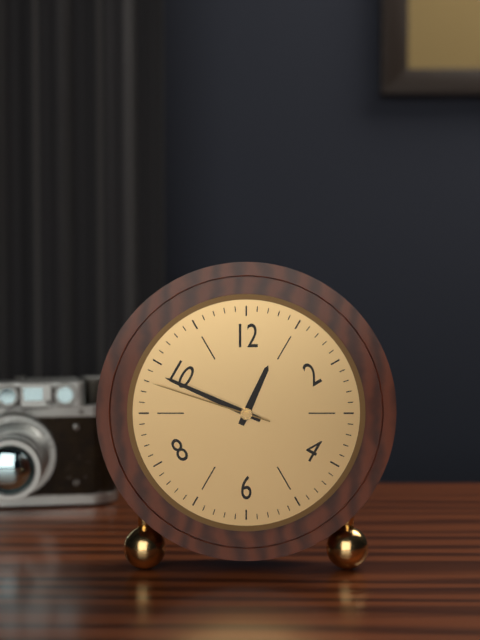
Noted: **12:49:48**
